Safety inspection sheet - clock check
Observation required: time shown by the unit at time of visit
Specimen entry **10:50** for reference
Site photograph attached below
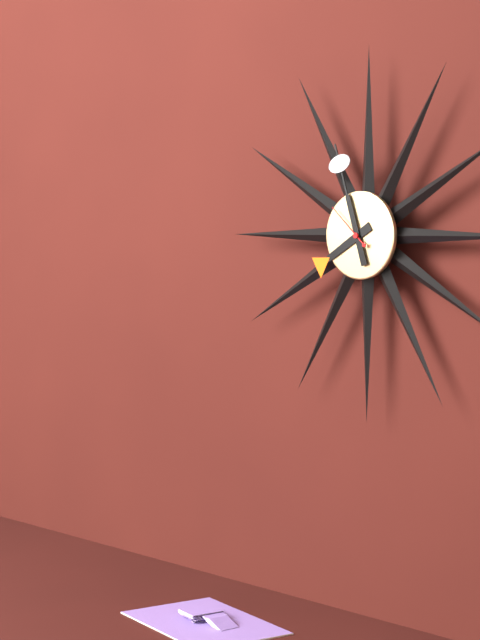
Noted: **7:57**
